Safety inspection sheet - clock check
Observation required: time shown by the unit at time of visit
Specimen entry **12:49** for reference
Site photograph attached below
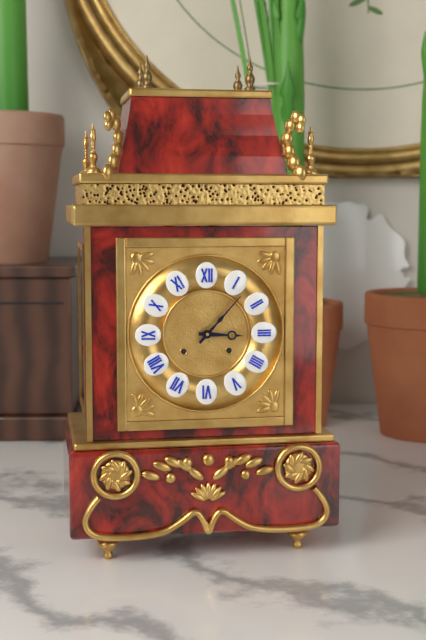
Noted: **3:07**
